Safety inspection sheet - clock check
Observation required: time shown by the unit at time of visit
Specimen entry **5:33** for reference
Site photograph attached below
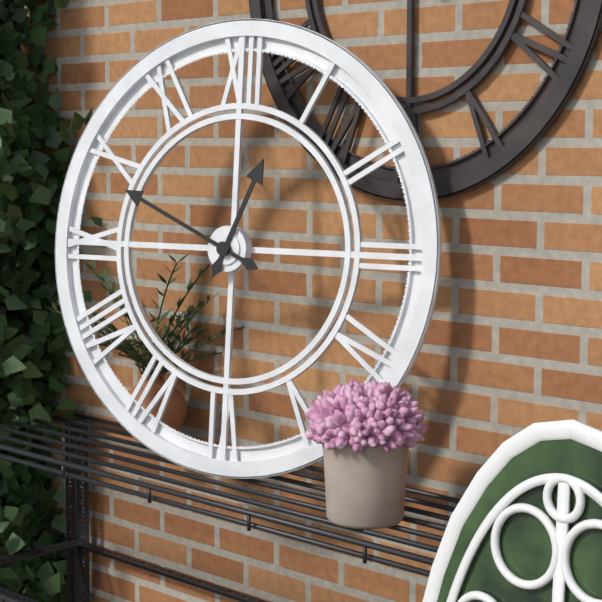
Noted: **12:49**
